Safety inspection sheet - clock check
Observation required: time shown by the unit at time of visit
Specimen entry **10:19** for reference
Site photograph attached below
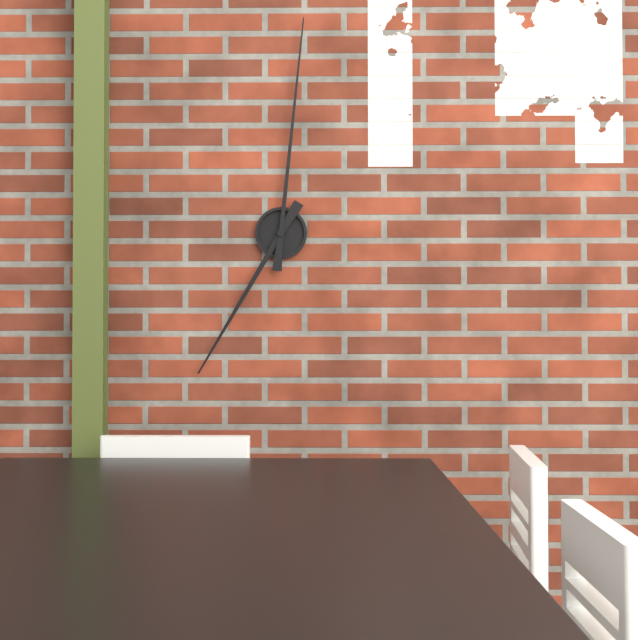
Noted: **7:01**
